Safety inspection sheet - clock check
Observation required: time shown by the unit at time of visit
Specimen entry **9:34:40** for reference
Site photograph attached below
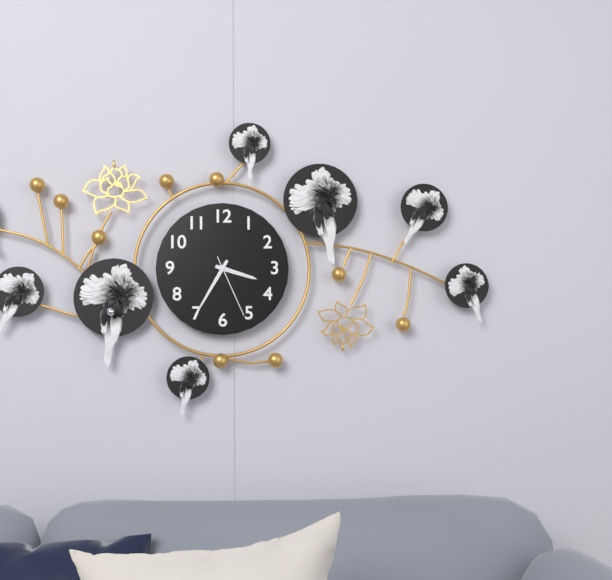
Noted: **3:35:26**
